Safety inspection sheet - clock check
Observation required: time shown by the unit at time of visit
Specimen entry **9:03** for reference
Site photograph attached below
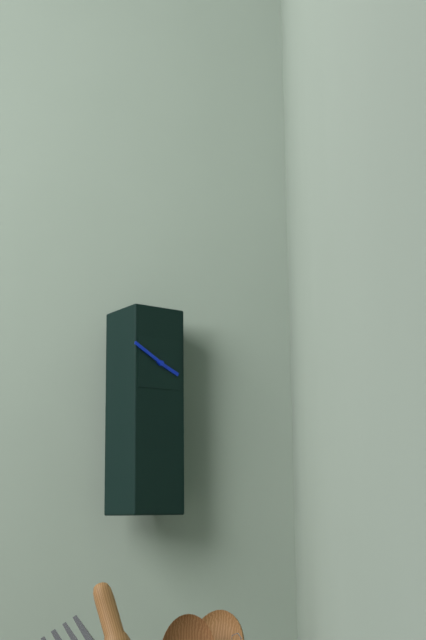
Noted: **3:50**
